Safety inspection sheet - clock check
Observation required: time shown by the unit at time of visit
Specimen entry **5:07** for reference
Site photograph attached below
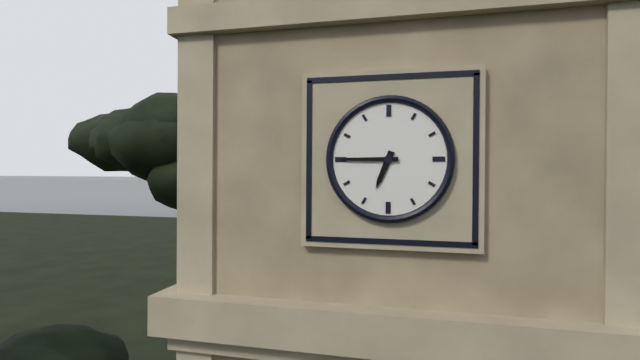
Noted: **6:45**
